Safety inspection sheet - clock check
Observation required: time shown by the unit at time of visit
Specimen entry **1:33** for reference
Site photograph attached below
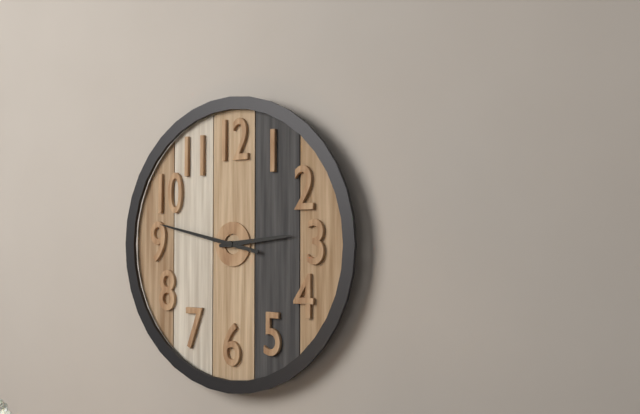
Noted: **2:47**
